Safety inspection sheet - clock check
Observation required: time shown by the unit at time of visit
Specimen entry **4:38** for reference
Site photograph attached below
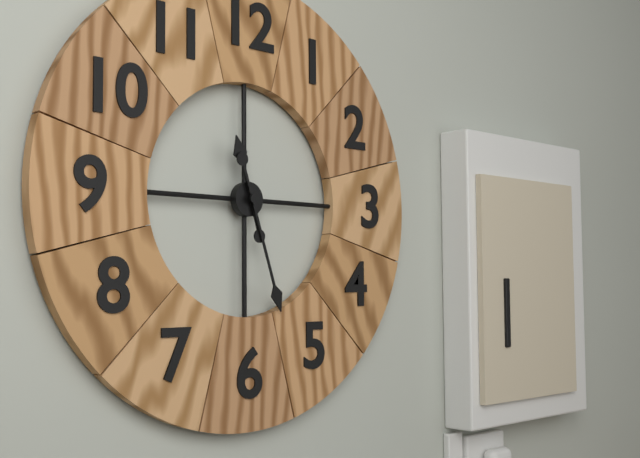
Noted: **11:27**
